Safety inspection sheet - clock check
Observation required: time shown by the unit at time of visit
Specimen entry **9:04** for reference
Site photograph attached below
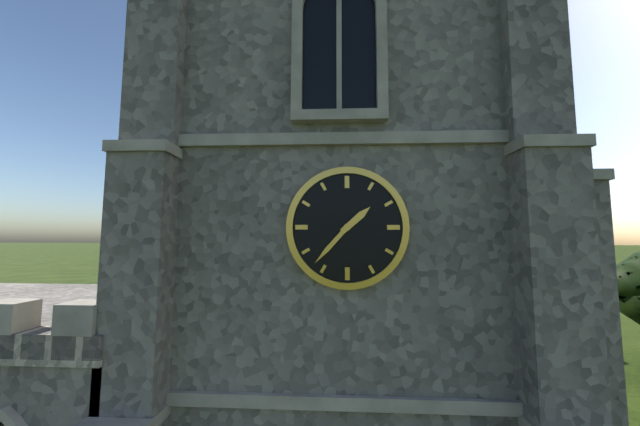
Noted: **1:37**
